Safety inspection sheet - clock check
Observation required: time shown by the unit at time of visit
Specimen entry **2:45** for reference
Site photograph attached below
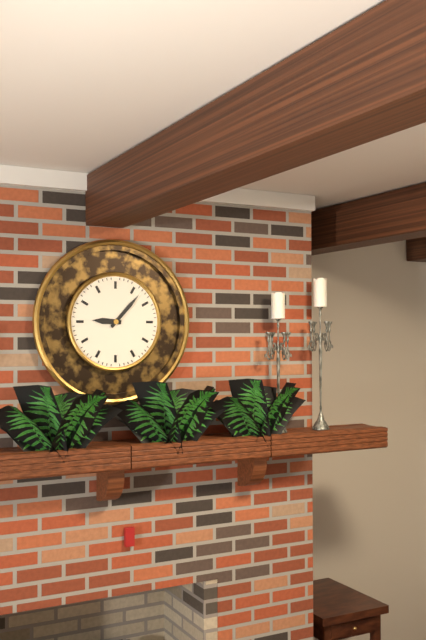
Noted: **9:07**
